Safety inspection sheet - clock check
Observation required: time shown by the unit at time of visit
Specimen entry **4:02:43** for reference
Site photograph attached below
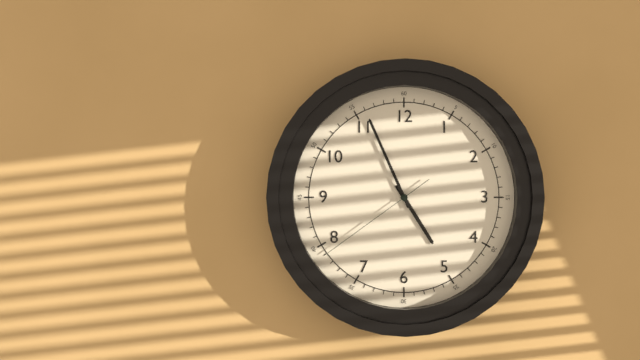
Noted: **4:56:39**
